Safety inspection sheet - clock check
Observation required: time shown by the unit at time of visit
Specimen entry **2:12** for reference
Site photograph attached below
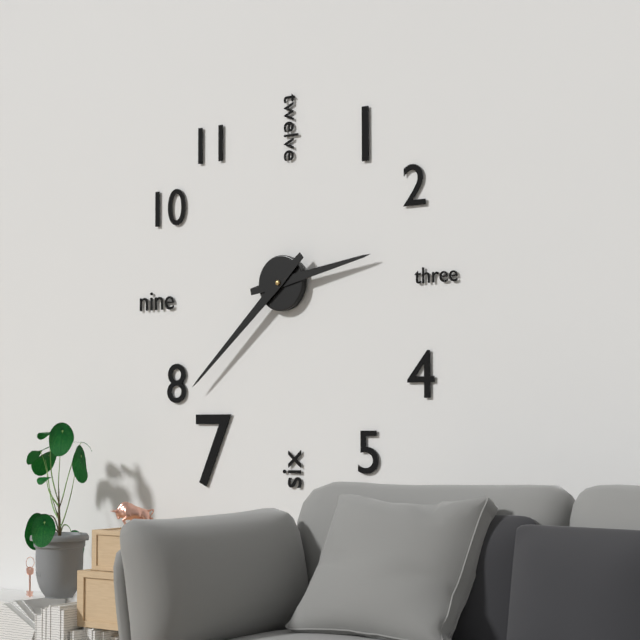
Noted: **2:38**
